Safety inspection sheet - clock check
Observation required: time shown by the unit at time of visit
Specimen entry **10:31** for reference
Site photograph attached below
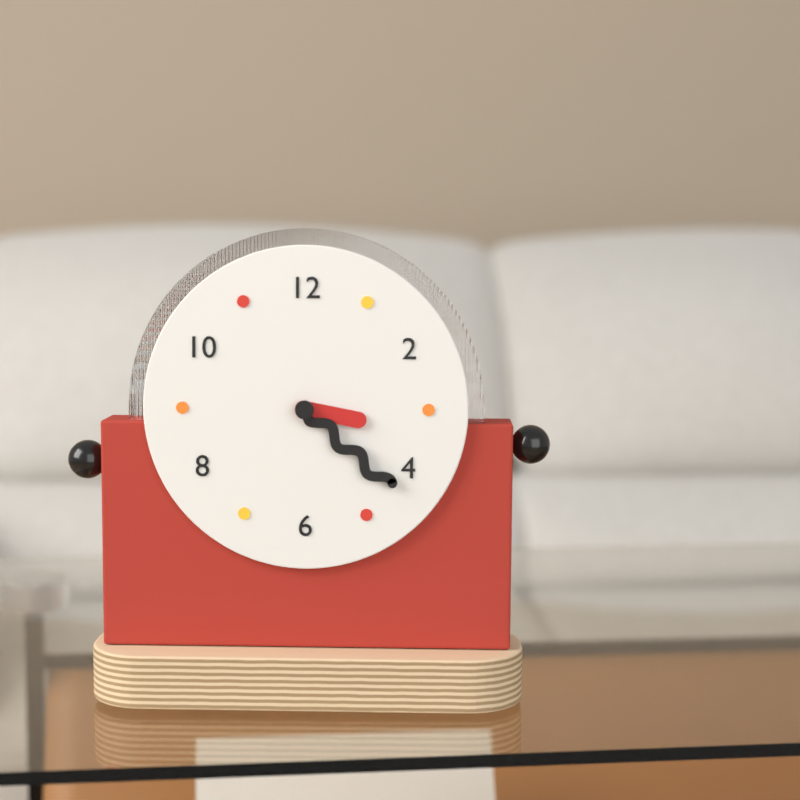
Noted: **3:22**
